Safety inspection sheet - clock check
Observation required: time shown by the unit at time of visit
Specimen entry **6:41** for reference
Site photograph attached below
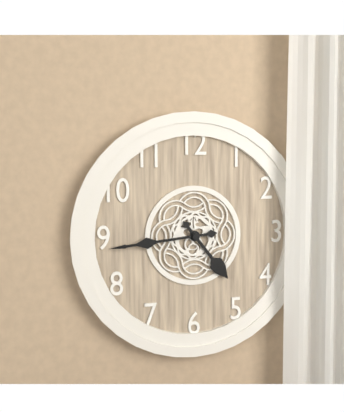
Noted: **4:44**
